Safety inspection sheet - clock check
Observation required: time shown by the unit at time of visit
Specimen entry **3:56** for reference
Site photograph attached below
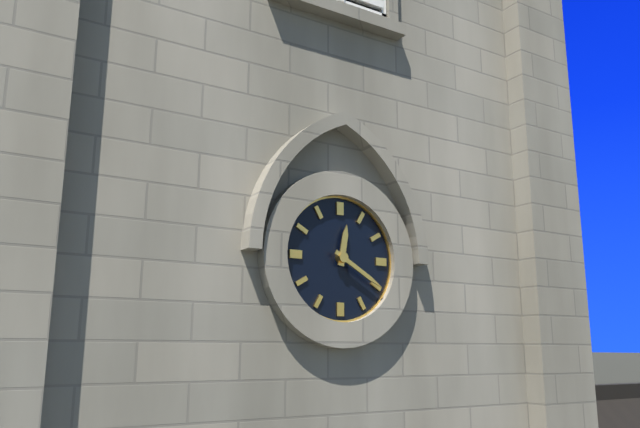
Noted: **12:20**
